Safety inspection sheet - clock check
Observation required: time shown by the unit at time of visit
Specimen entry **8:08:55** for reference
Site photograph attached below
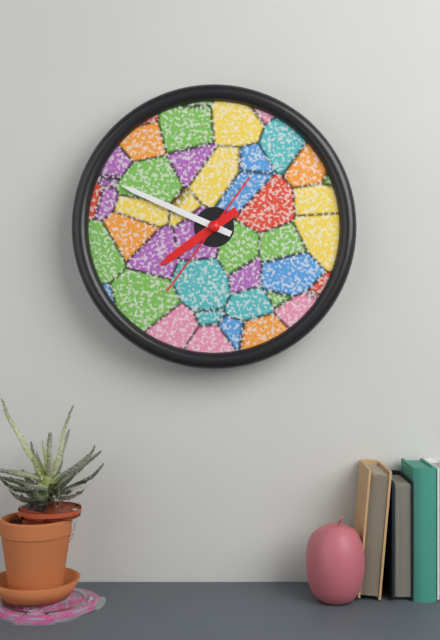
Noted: **7:49:36**
